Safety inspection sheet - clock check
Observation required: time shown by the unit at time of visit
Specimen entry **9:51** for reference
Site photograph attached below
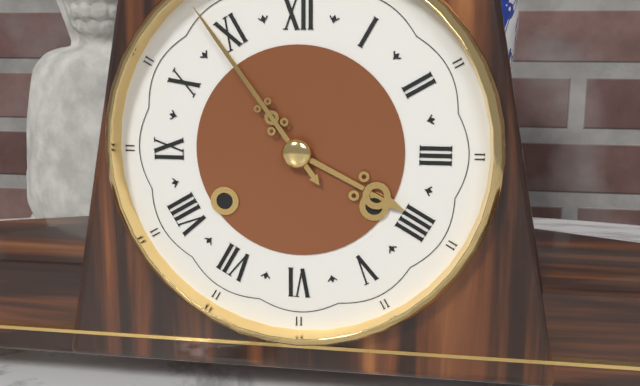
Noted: **3:54**
